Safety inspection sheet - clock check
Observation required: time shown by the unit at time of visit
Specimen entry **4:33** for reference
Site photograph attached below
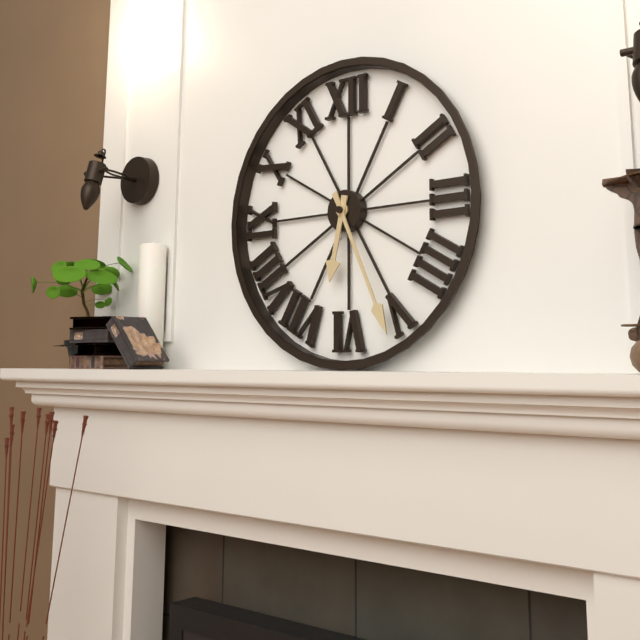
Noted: **6:26**
